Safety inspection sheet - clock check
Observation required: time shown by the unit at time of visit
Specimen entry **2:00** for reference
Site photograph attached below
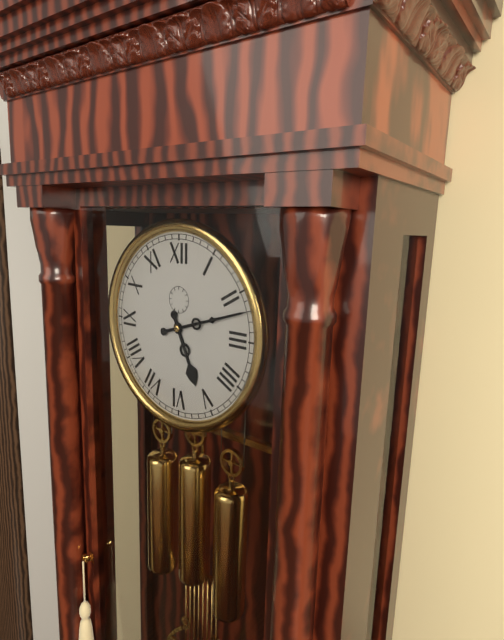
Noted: **5:12**
